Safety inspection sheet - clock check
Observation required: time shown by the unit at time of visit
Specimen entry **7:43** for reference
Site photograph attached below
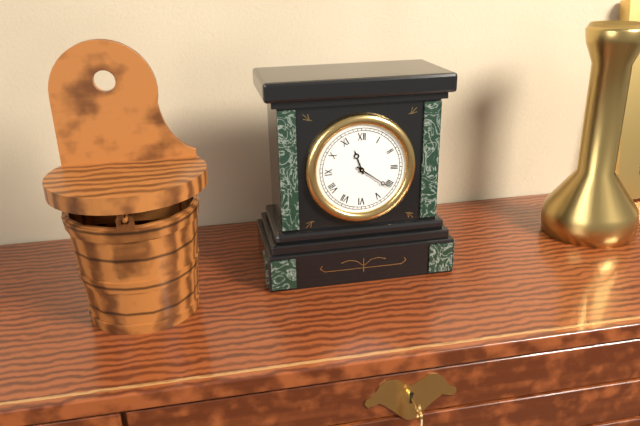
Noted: **11:21**
